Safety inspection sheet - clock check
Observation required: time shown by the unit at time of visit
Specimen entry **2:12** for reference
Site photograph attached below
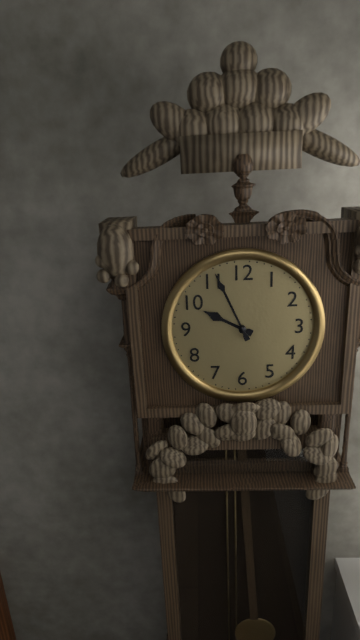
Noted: **9:56**
